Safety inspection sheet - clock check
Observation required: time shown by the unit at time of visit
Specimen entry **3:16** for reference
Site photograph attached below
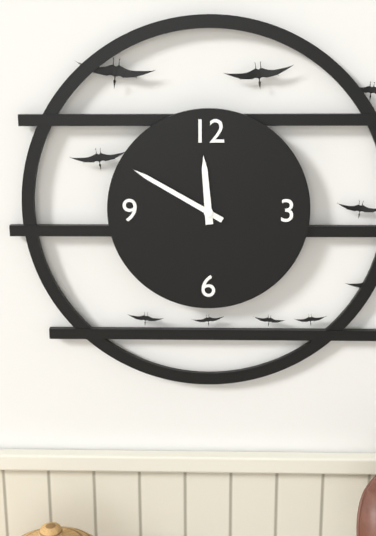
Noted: **11:50**
